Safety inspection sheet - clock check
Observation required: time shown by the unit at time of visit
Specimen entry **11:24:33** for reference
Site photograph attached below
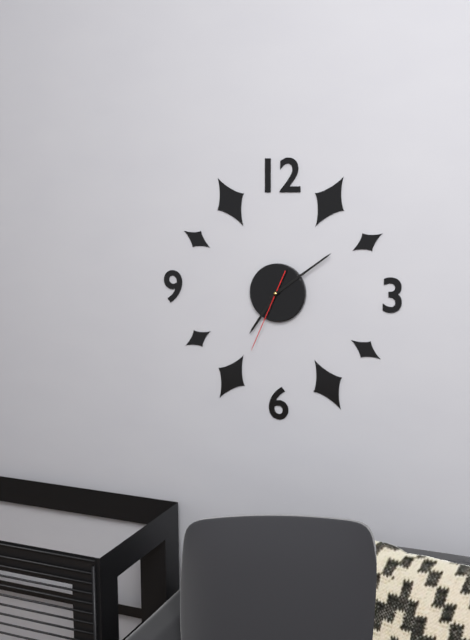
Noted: **7:09:34**
